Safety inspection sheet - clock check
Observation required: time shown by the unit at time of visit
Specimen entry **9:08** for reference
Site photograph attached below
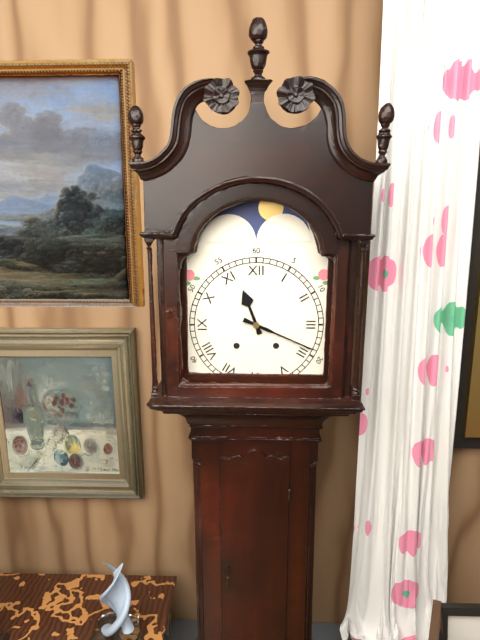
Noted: **11:19**
